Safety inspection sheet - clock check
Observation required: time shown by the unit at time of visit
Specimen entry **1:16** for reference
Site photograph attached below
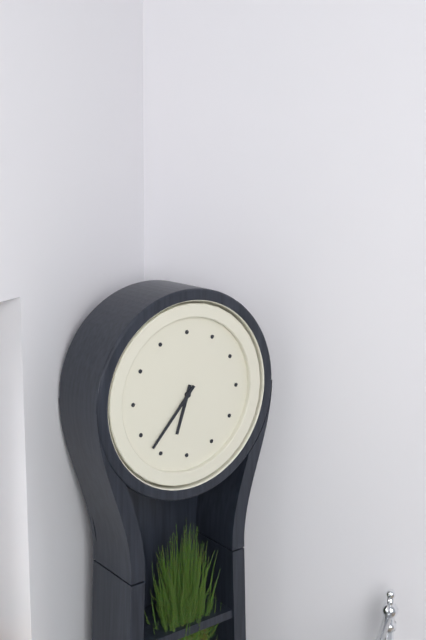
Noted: **6:37**
